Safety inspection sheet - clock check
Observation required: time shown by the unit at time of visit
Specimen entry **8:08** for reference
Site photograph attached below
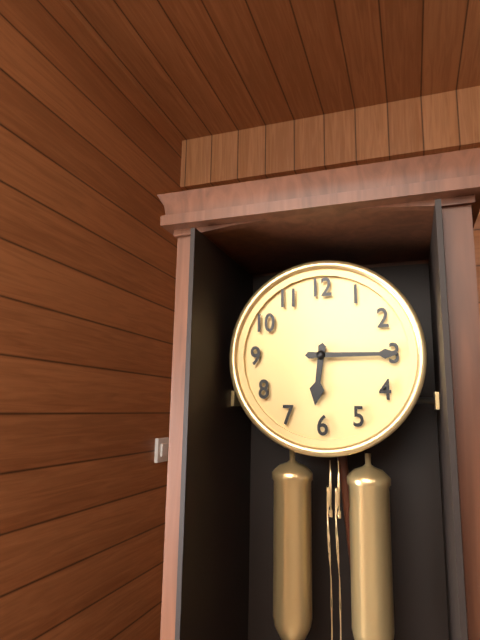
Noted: **6:15**
